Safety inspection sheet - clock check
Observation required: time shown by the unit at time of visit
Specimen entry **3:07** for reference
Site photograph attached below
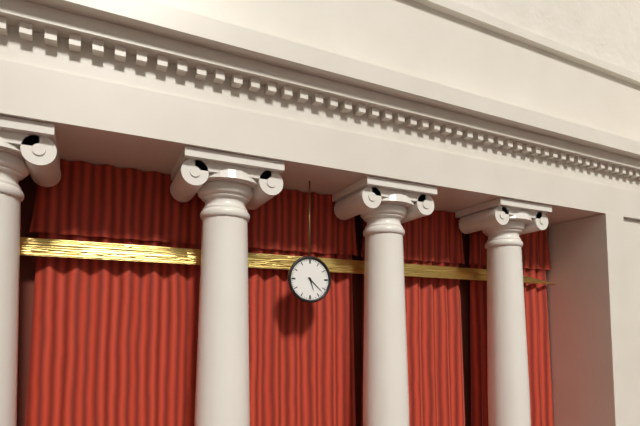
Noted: **5:22**
